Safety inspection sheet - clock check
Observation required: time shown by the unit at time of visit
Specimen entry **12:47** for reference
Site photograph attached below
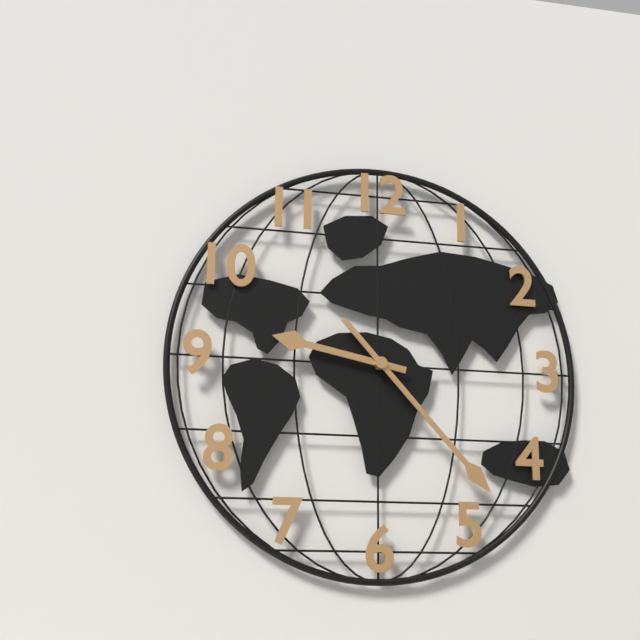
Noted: **9:23**
